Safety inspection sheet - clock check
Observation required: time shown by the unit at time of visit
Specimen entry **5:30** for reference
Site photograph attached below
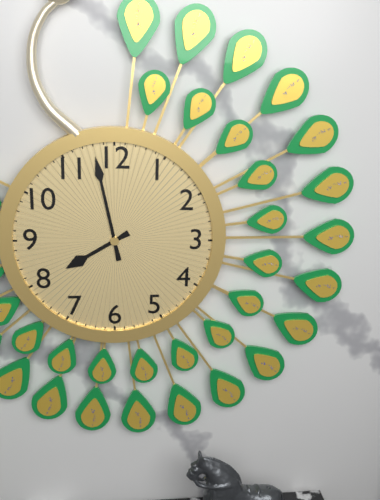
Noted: **7:58**
